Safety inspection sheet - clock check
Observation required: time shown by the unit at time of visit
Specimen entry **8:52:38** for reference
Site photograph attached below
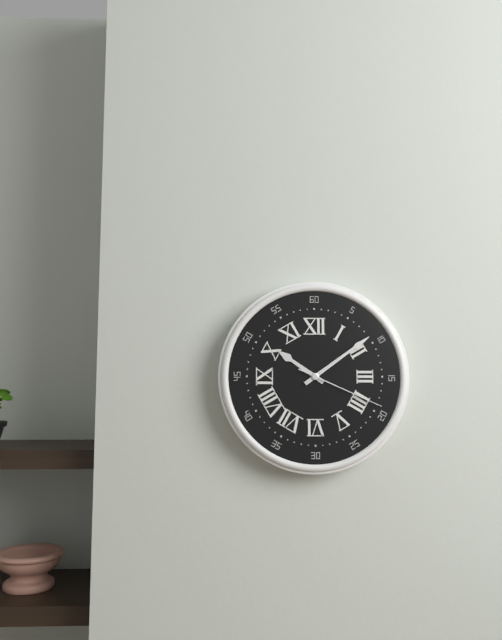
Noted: **10:09:19**
